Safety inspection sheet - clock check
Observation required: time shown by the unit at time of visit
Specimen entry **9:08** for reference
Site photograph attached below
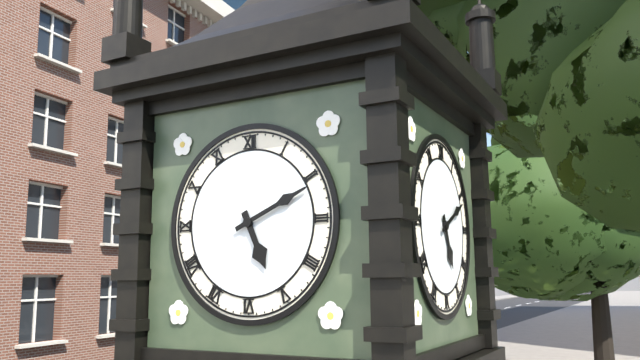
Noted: **5:11**
